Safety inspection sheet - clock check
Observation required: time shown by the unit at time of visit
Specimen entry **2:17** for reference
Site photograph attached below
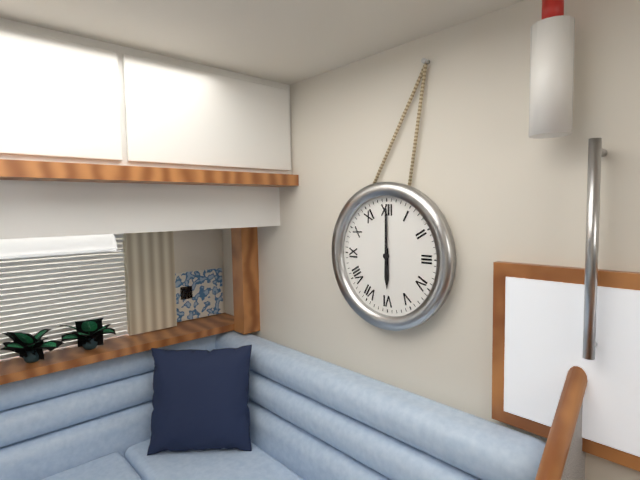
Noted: **6:00**
